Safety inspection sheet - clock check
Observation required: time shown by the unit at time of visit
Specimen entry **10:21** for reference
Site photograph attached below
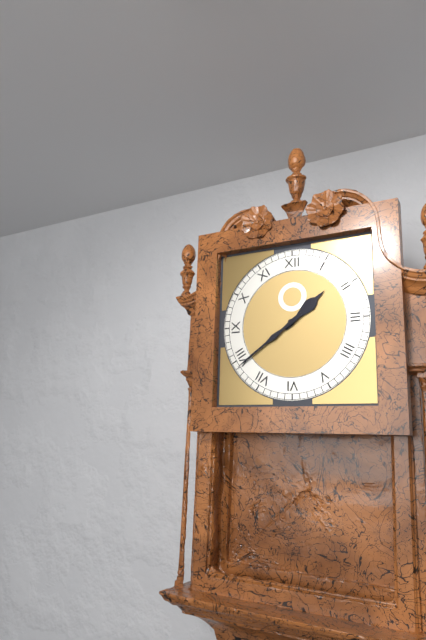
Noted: **1:39**
